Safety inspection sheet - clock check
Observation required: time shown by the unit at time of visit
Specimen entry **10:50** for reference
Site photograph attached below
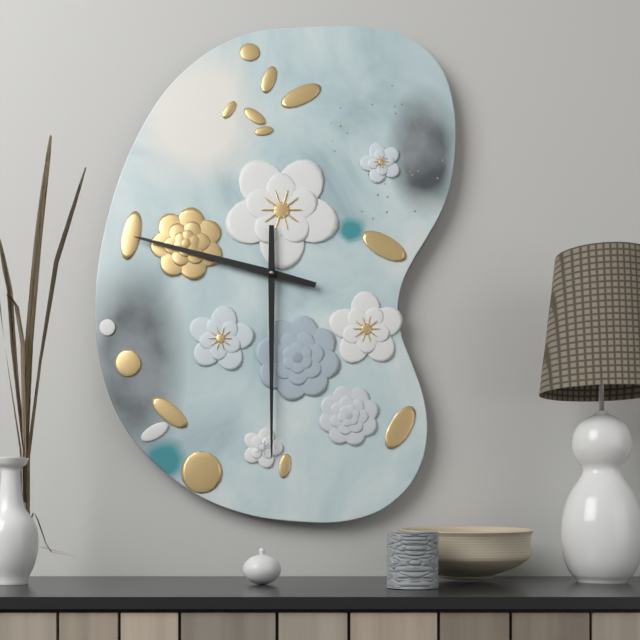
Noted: **9:30**
